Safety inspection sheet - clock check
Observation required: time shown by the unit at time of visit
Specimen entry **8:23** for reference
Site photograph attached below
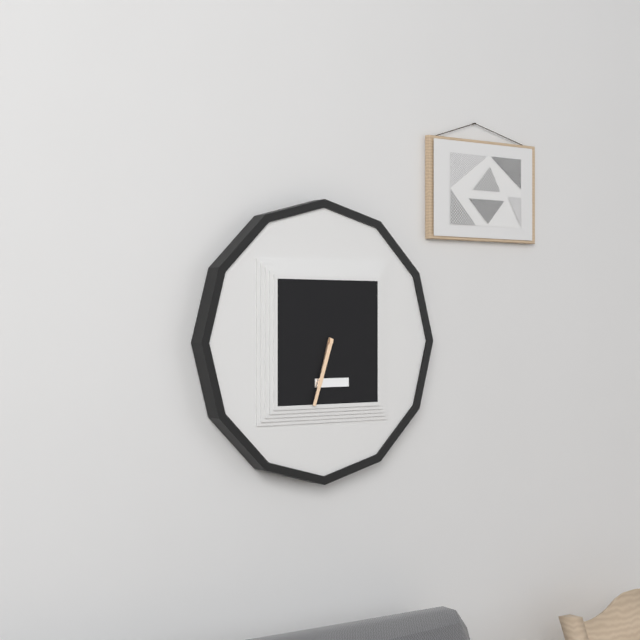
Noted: **6:33**
